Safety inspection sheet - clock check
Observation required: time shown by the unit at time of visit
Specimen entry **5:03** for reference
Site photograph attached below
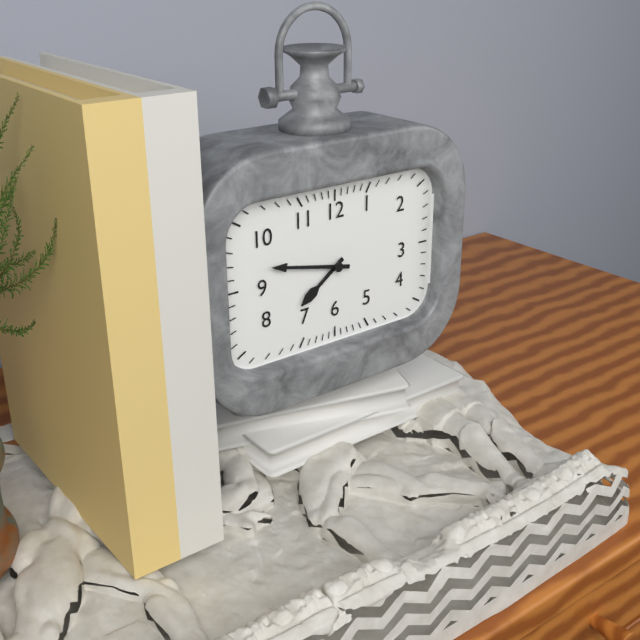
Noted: **7:47**
